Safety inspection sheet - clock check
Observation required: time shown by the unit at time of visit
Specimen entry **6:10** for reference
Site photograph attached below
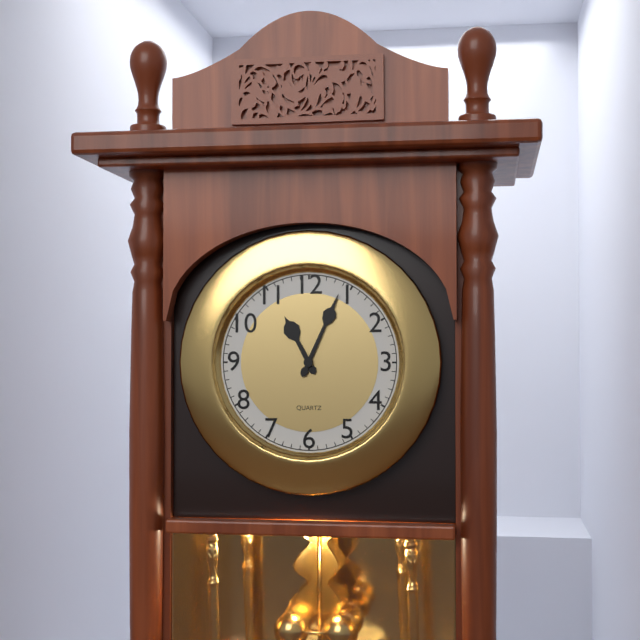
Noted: **11:04**
